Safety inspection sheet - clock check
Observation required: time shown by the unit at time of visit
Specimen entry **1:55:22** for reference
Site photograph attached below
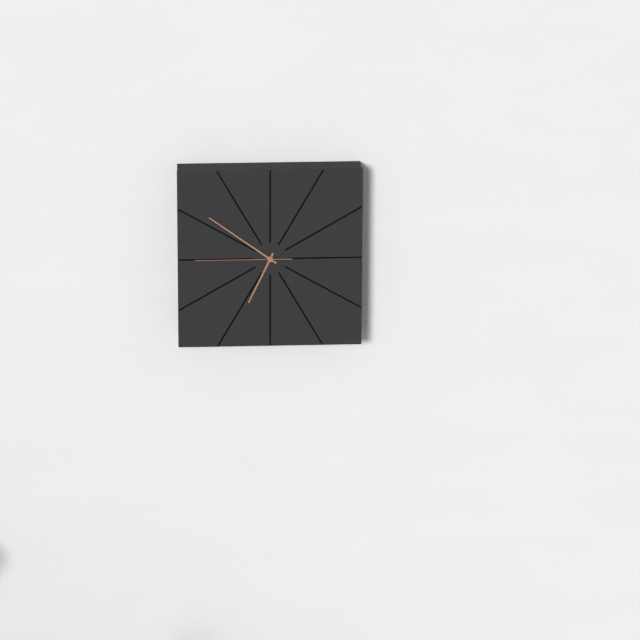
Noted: **6:51:45**
